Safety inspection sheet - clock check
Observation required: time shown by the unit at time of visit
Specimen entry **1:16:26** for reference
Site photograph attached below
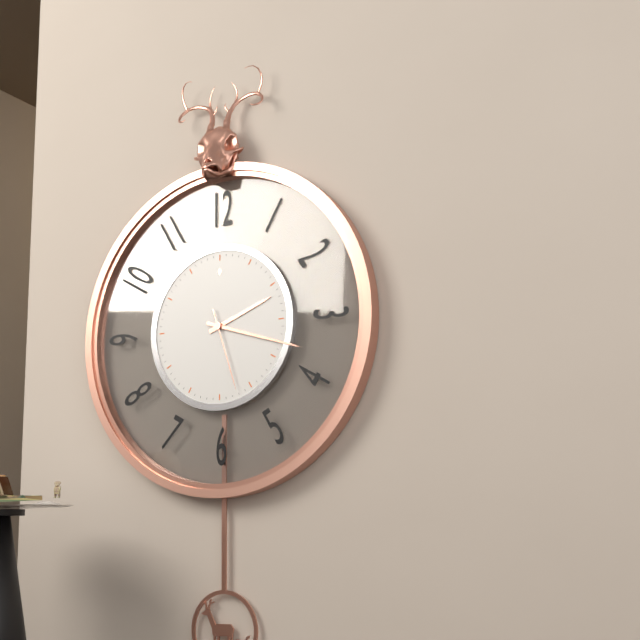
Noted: **2:18:27**
